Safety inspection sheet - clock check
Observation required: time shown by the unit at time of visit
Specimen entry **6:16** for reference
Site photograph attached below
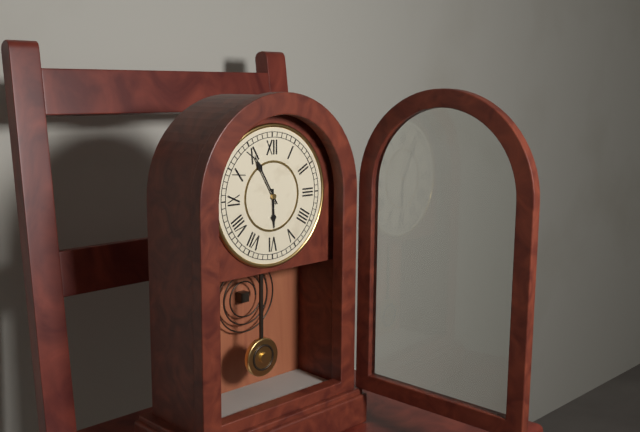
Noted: **5:55**
